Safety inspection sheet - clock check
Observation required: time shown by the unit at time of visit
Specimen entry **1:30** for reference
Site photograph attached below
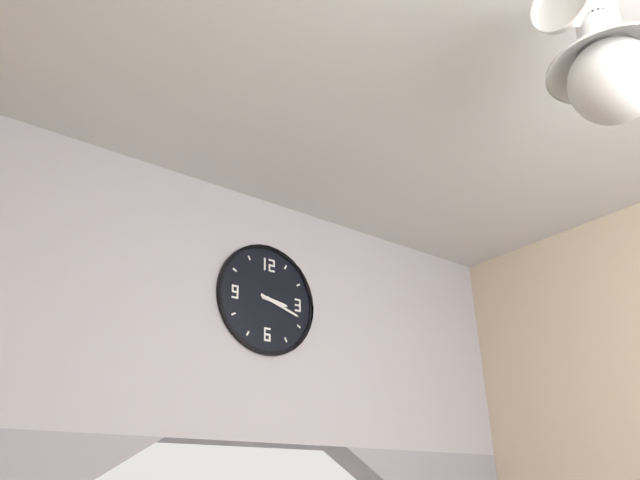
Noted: **3:18**
